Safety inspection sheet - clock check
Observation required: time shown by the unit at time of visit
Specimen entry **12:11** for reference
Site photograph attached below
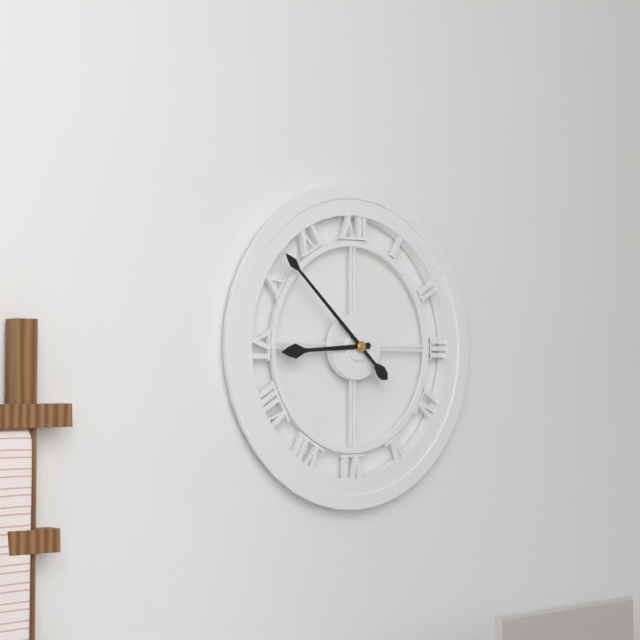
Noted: **8:52**
